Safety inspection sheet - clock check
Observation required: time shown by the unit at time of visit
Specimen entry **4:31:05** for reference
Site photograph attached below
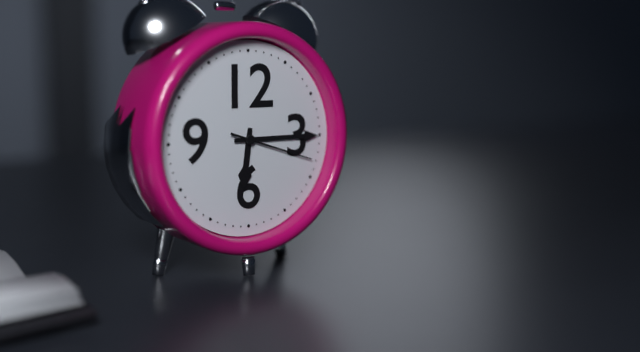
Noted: **6:15:18**
